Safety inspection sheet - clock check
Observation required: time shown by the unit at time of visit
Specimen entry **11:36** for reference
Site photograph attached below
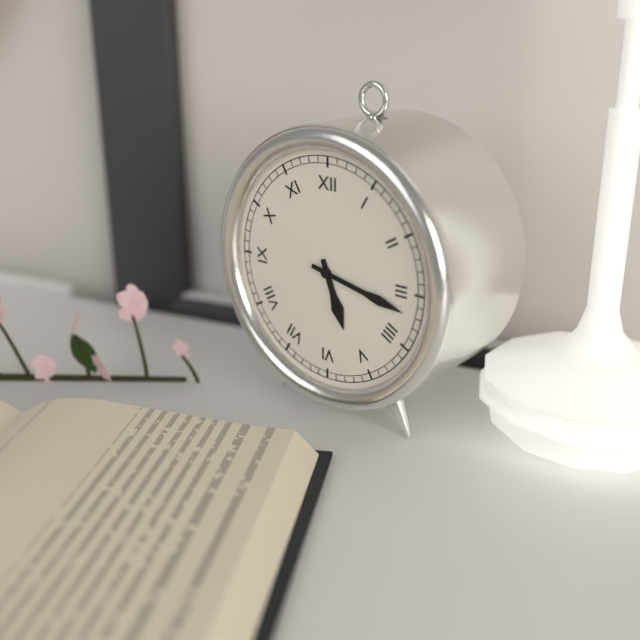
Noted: **5:17**
